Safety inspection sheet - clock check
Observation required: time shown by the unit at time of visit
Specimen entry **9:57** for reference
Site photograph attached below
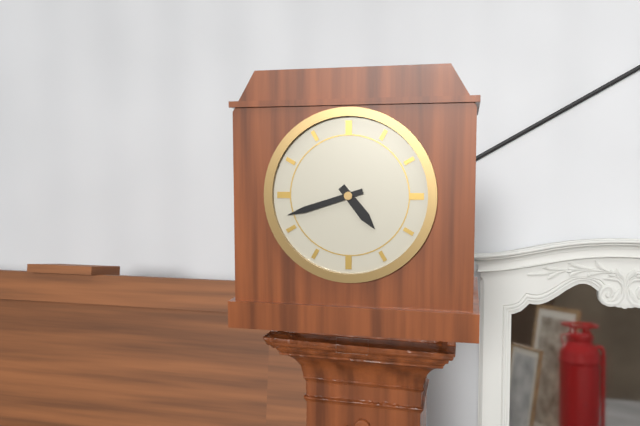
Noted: **4:42**
